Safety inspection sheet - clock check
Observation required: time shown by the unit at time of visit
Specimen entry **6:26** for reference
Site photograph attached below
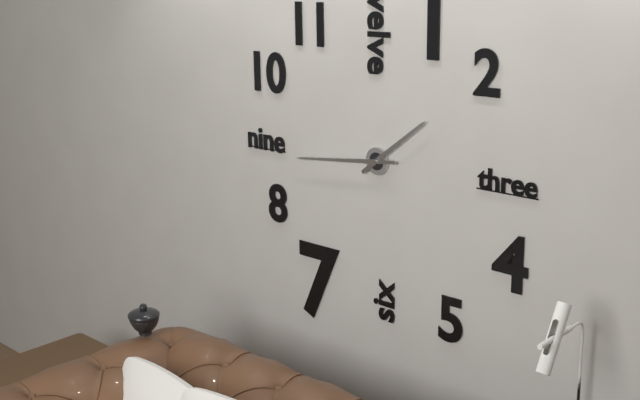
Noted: **1:44**
